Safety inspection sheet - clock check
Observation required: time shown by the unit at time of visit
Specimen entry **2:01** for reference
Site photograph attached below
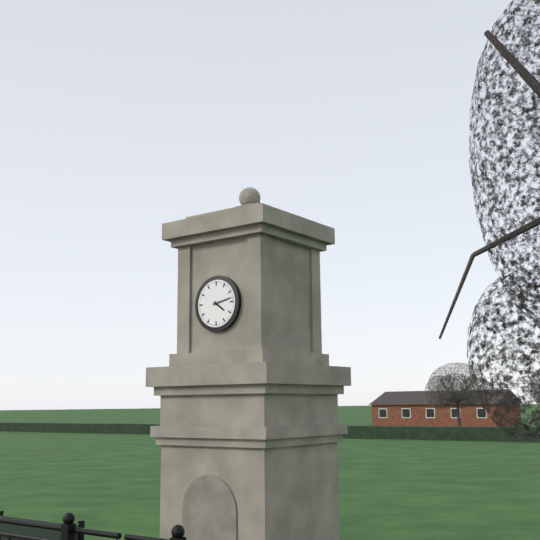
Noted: **4:13**
